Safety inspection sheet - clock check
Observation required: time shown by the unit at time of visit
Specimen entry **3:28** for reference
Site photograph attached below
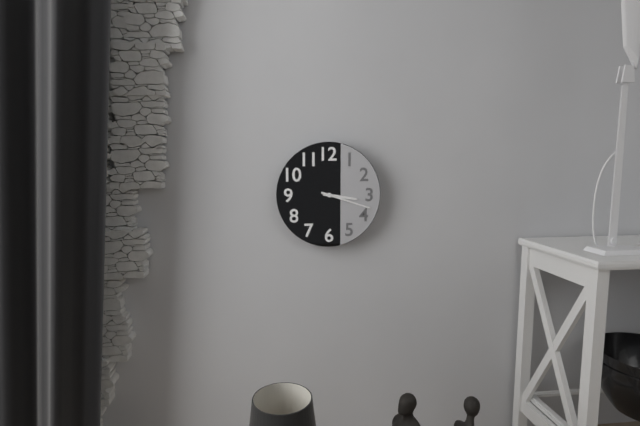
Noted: **3:18**
